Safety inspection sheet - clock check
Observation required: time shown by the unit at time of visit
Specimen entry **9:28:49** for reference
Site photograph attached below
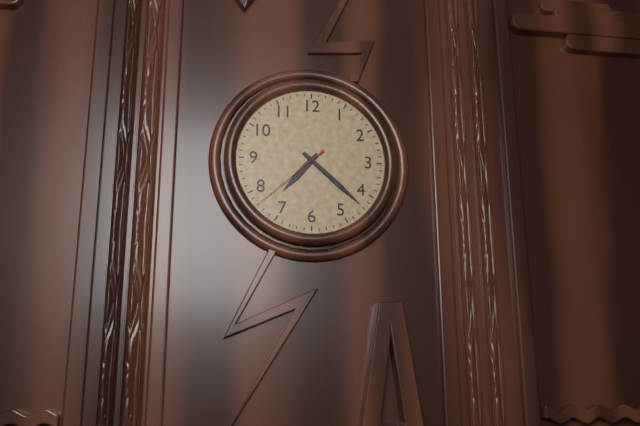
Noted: **7:22:38**
